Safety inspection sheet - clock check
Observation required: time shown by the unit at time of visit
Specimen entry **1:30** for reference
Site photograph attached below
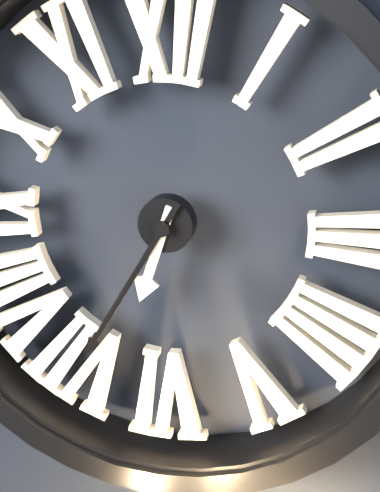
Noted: **6:35**
